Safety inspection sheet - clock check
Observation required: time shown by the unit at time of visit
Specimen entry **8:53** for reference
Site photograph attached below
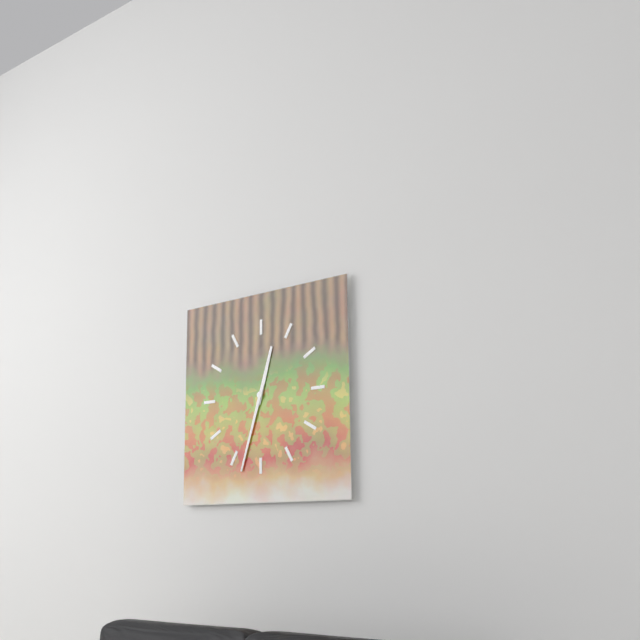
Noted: **12:33**
